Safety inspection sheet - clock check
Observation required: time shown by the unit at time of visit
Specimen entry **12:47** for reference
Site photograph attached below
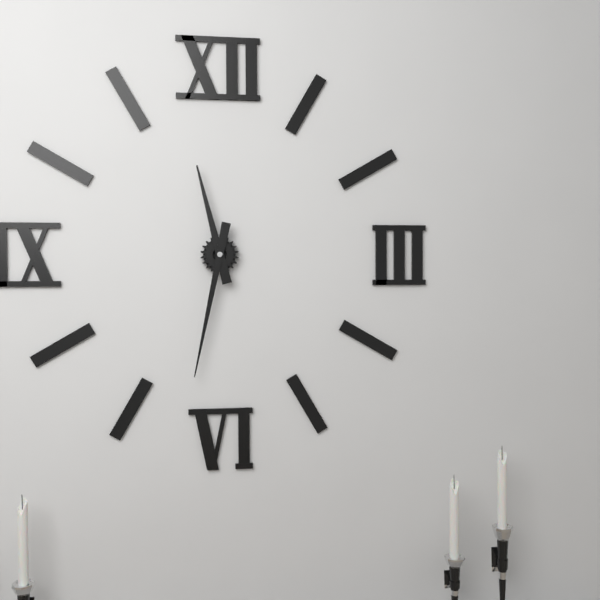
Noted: **11:32**
